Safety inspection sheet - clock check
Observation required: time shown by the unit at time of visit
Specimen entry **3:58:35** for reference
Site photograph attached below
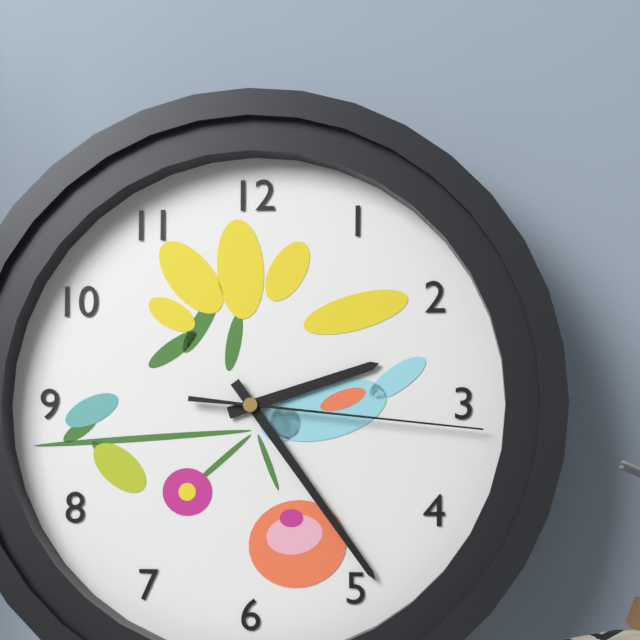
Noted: **2:24:16**
